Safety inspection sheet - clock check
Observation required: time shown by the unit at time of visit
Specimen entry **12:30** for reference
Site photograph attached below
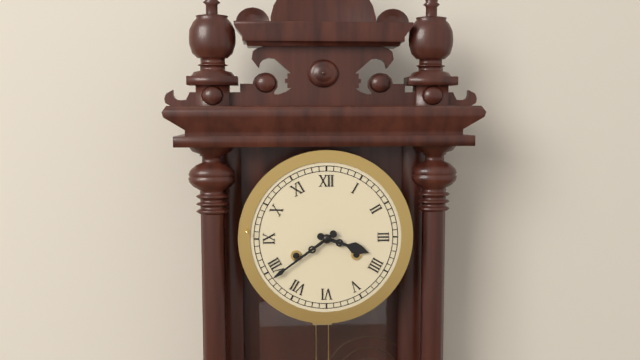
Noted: **3:39**
